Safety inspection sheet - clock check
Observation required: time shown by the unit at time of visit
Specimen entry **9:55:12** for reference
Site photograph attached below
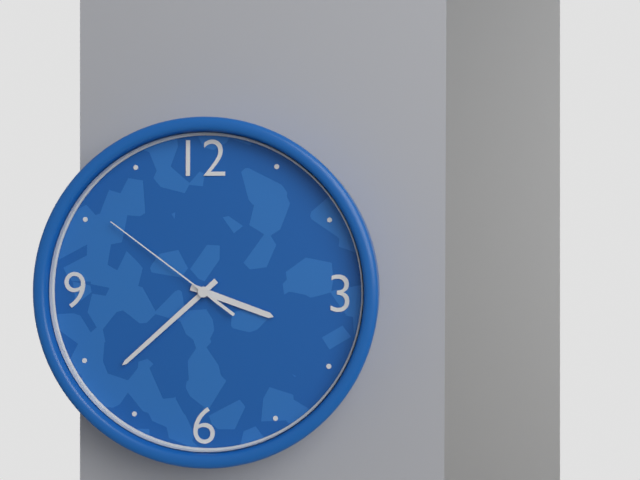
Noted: **3:38:51**
